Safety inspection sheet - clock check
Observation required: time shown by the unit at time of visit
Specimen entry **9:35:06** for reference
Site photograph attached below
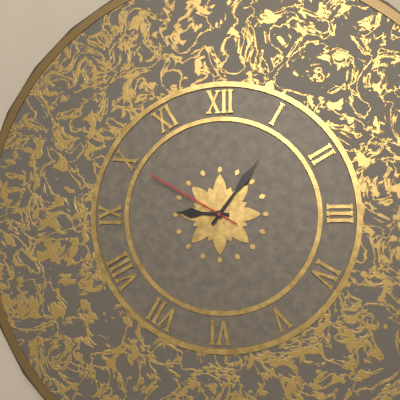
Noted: **9:06:50**
